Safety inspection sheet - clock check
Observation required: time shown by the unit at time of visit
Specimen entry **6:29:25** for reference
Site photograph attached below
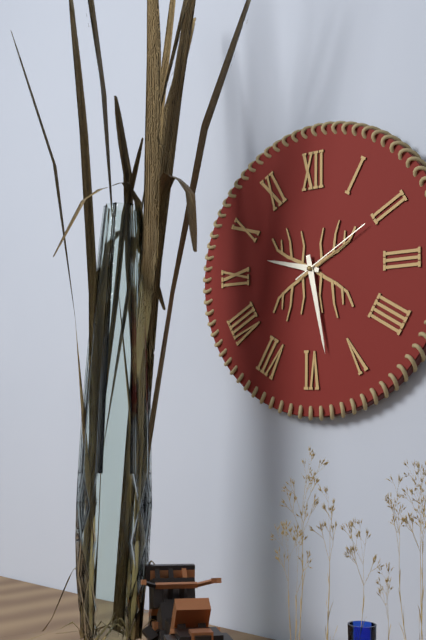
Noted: **9:28:10**
